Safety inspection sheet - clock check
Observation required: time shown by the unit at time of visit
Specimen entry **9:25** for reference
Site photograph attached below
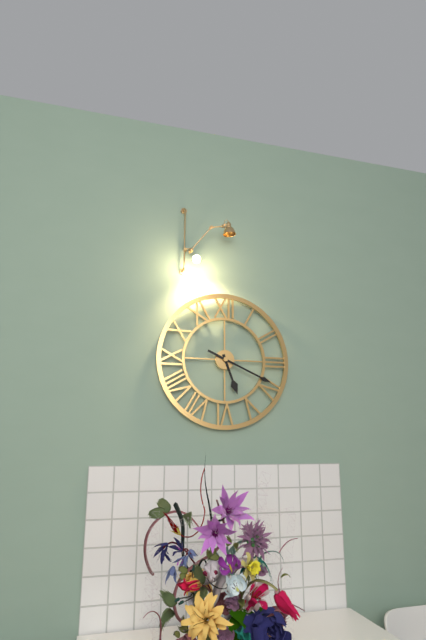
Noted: **5:19**
